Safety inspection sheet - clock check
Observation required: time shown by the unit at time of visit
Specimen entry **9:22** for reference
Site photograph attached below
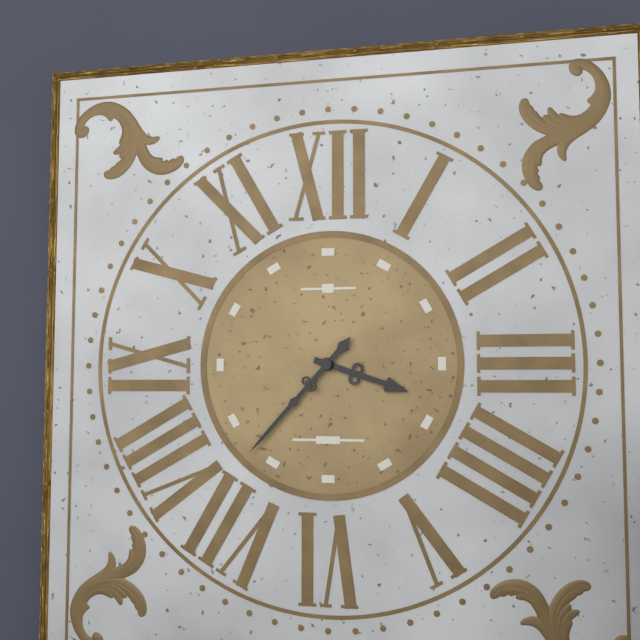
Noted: **3:37**
